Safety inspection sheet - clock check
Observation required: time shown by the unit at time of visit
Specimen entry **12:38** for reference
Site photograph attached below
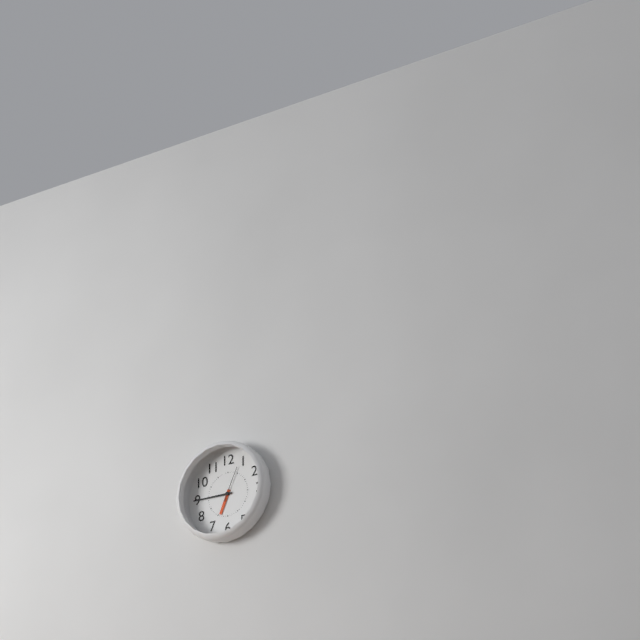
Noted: **6:45**
